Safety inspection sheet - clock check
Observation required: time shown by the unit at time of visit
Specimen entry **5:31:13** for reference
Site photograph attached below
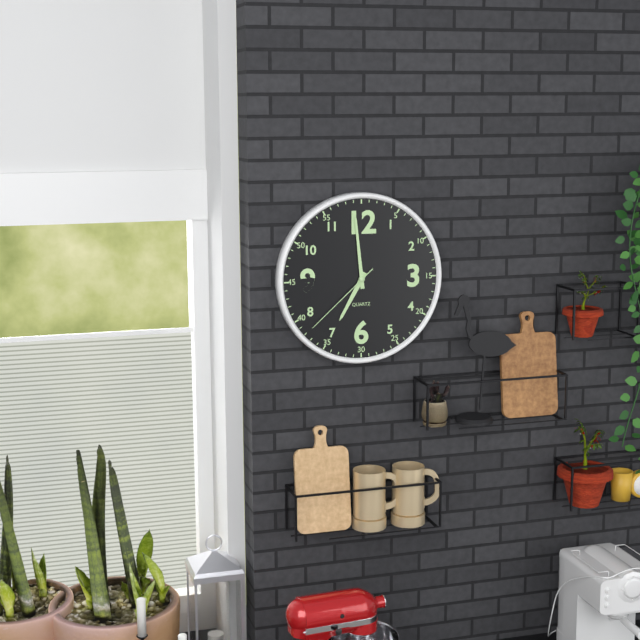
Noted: **6:59:38**
